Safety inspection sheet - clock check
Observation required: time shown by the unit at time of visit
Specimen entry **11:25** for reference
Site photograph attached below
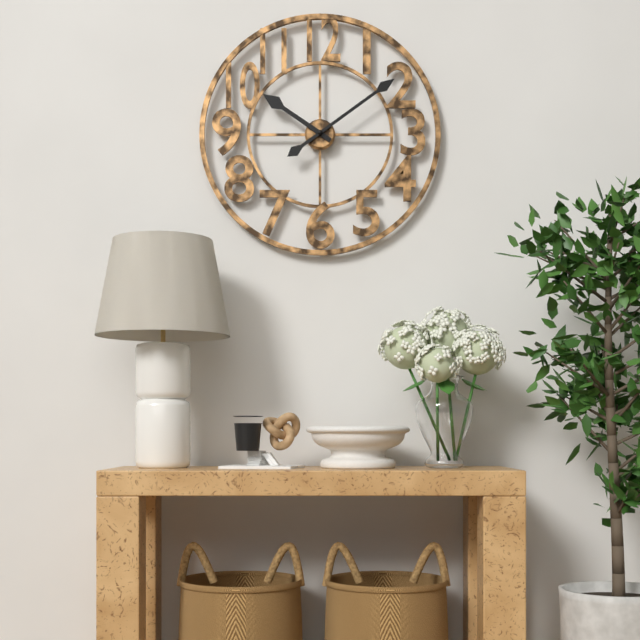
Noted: **10:09**
